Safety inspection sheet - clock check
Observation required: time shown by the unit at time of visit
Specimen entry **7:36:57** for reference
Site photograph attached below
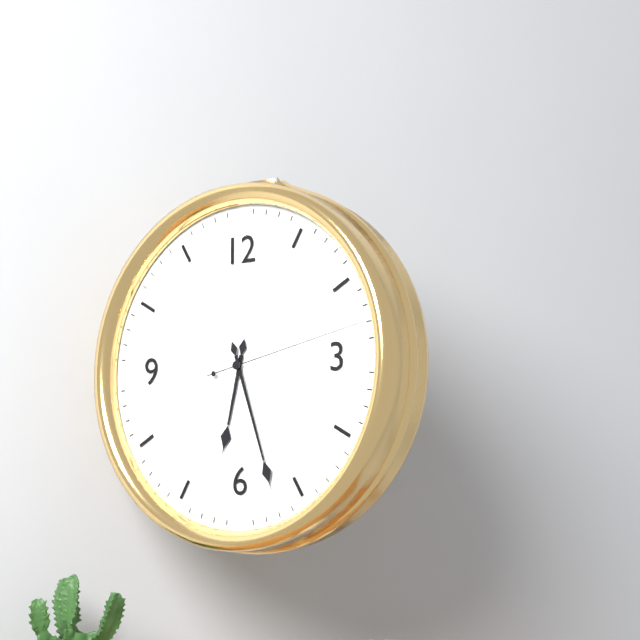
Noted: **6:27:13**
